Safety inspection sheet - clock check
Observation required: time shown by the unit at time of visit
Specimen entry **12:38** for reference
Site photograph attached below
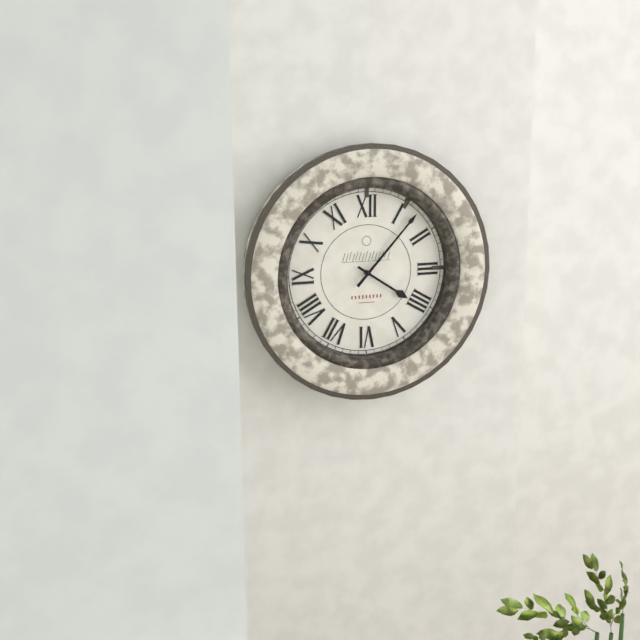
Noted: **4:07**
